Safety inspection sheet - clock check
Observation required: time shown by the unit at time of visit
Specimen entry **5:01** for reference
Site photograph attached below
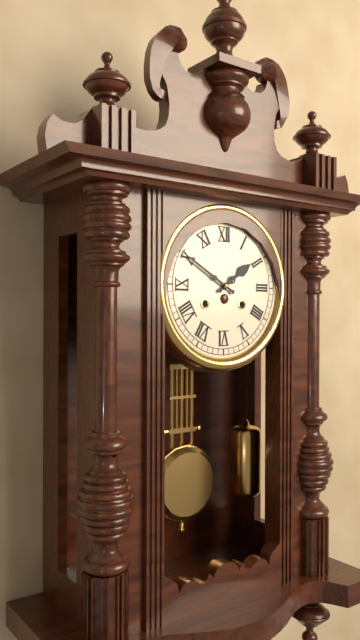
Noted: **1:50**
